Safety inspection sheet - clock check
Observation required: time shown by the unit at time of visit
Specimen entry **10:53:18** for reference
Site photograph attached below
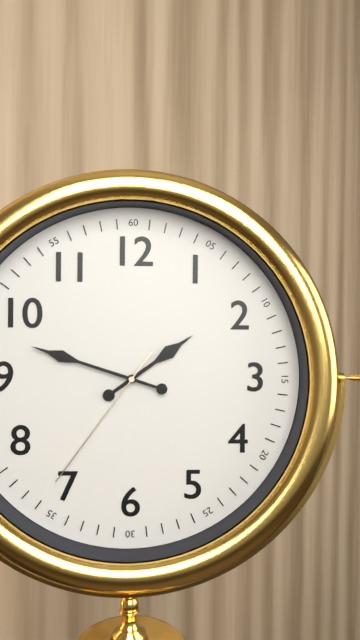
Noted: **1:48:36**
